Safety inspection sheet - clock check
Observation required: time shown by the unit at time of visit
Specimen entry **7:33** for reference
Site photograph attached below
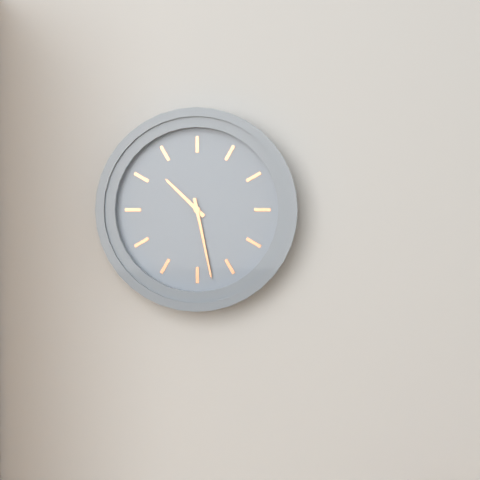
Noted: **10:28**
